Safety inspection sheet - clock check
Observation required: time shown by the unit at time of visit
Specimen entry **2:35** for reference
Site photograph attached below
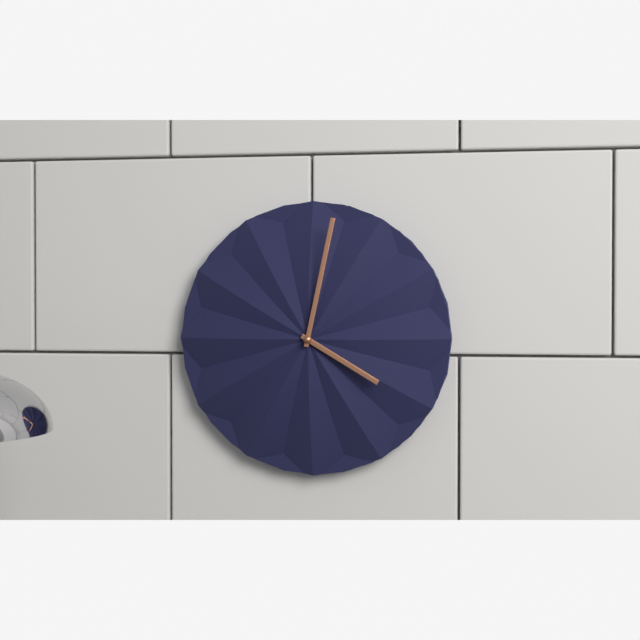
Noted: **4:02**
